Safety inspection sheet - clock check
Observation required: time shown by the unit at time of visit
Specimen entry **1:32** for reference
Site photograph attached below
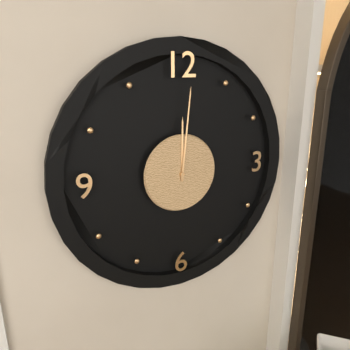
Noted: **12:01**
